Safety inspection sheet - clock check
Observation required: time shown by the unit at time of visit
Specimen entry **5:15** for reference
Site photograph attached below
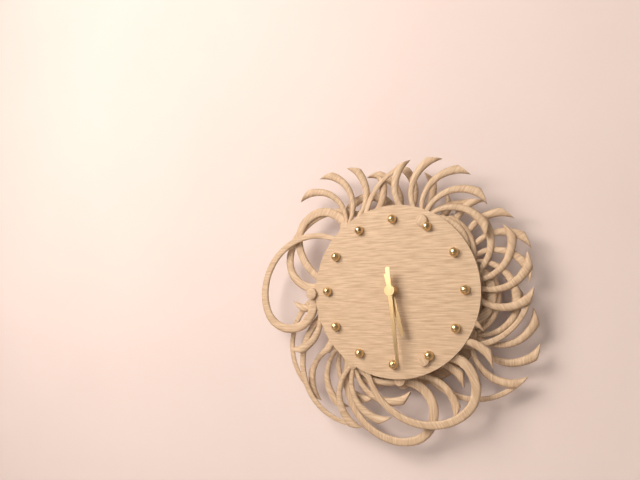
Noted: **5:29**
